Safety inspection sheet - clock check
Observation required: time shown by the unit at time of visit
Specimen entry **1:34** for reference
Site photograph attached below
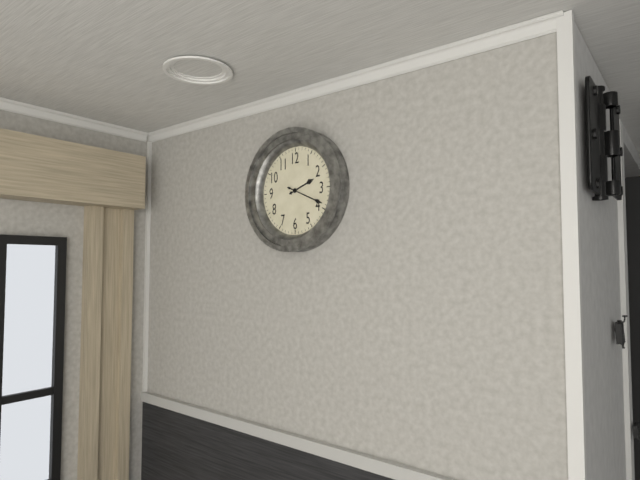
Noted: **2:19**
